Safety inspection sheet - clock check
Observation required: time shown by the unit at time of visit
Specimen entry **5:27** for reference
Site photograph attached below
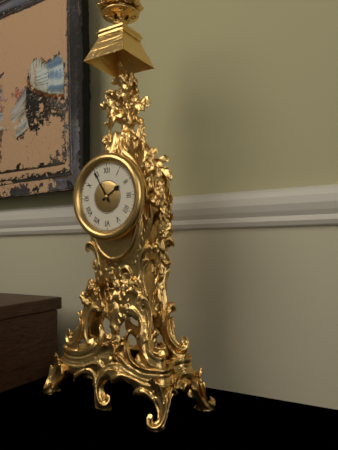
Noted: **1:55**
